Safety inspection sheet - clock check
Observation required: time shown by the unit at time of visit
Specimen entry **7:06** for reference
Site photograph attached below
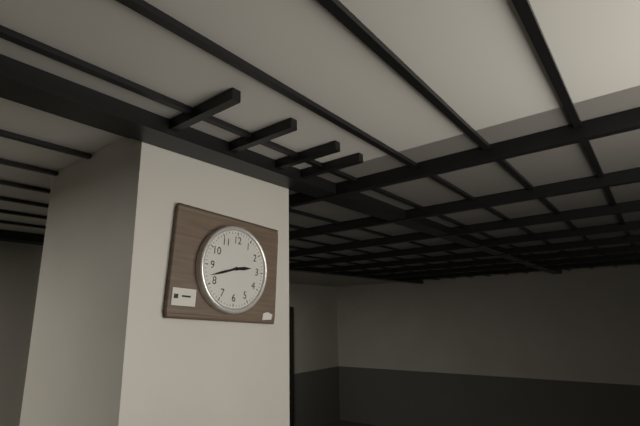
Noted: **2:42**
